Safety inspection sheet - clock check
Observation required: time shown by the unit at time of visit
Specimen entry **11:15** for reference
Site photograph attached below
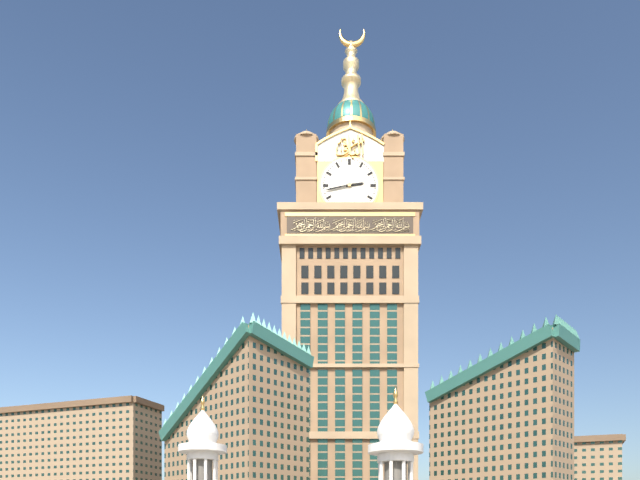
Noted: **2:43**
